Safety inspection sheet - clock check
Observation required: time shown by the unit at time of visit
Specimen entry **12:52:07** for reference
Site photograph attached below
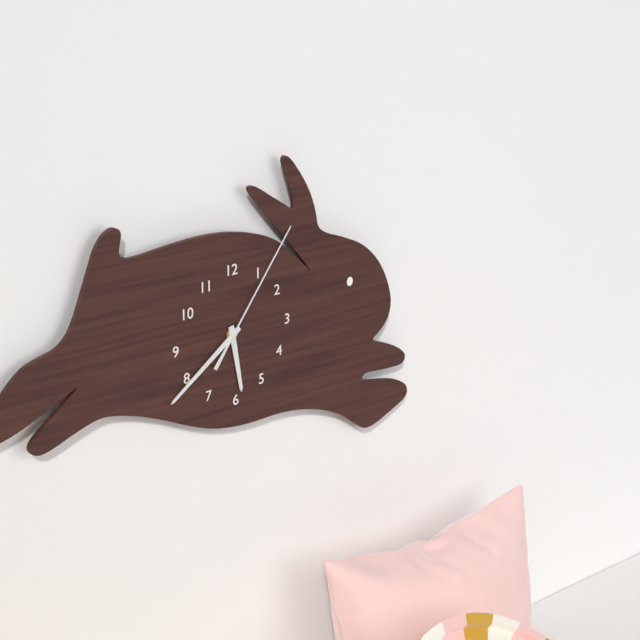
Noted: **5:39:06**
